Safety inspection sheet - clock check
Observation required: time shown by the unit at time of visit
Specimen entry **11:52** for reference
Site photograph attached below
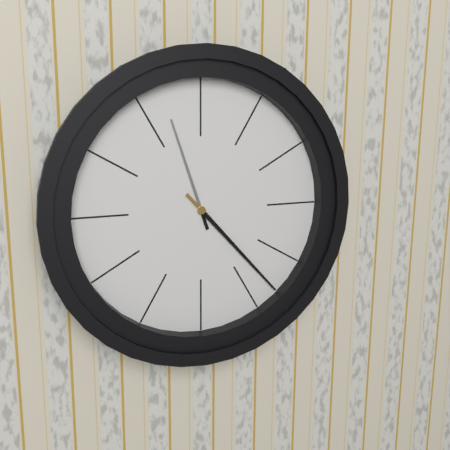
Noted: **11:23**
